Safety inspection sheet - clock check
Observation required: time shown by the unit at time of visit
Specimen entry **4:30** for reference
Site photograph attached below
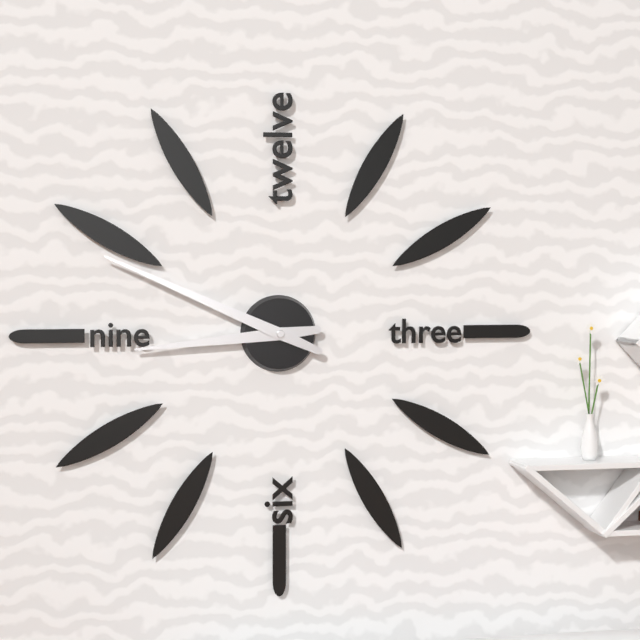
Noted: **8:49**
